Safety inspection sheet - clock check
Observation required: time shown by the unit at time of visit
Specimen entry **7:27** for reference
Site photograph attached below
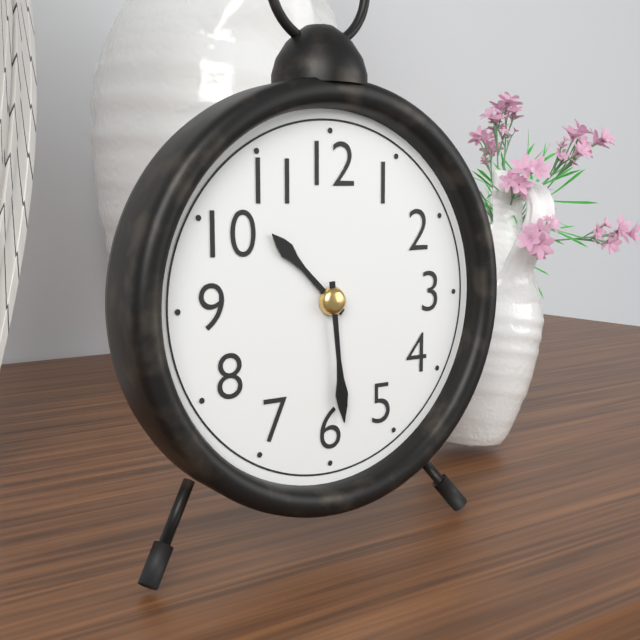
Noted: **10:29**
